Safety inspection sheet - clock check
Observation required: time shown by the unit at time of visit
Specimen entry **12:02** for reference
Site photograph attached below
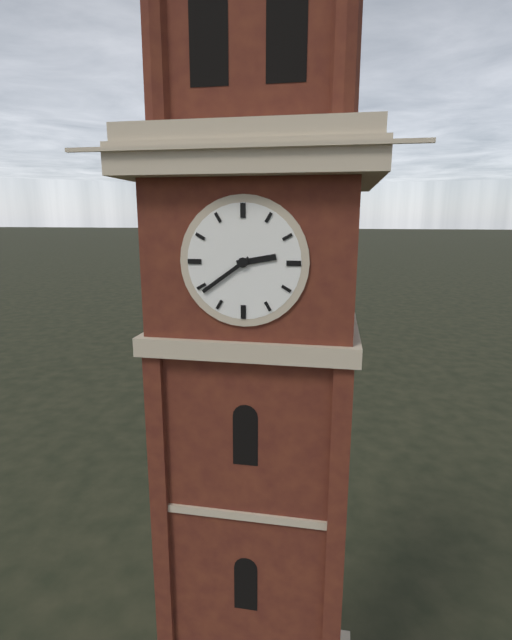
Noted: **2:39**
